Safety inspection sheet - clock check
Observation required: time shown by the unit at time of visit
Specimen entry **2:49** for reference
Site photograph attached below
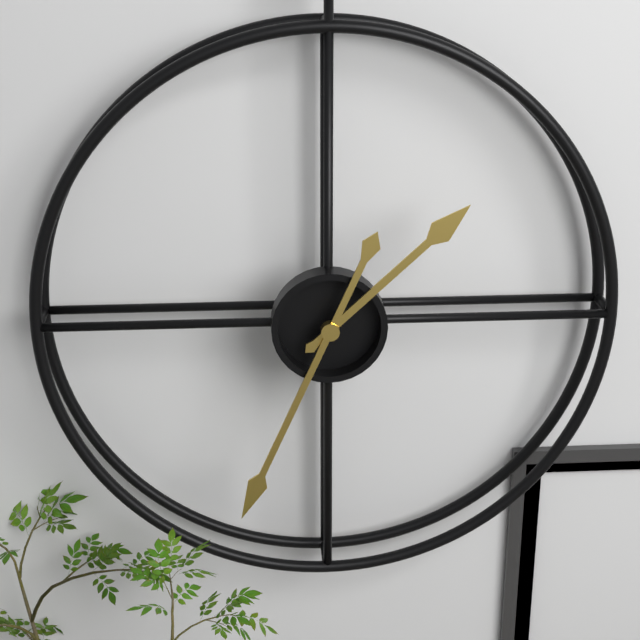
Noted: **1:34**
